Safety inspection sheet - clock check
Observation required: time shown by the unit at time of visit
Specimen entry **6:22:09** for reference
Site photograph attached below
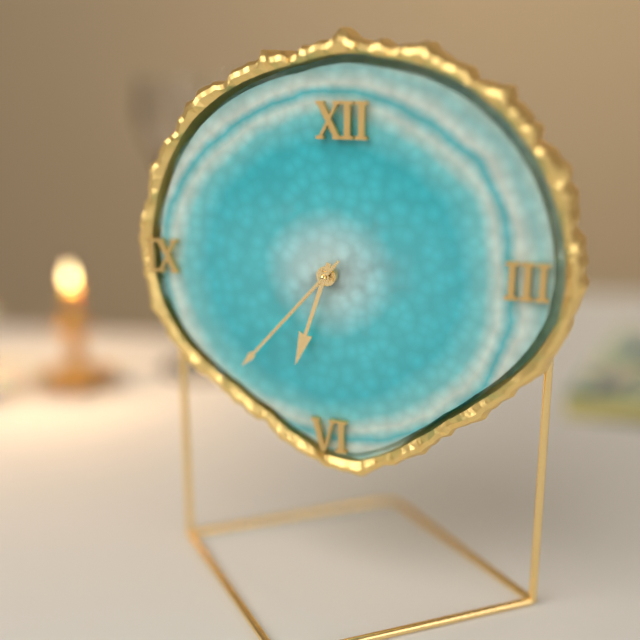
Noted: **6:37:37**
